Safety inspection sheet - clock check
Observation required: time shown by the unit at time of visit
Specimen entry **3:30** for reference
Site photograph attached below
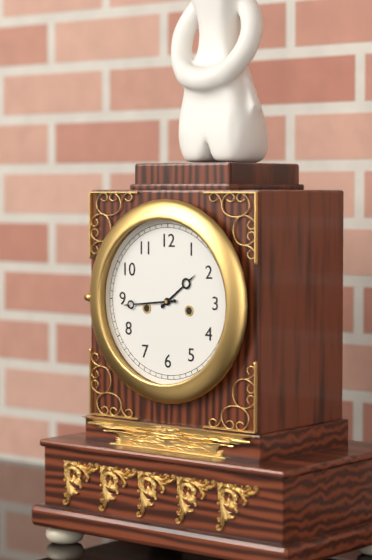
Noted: **1:44**
